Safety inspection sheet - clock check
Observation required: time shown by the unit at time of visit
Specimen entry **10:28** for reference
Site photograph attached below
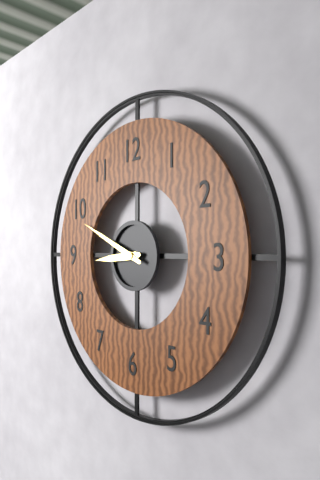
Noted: **8:49**
